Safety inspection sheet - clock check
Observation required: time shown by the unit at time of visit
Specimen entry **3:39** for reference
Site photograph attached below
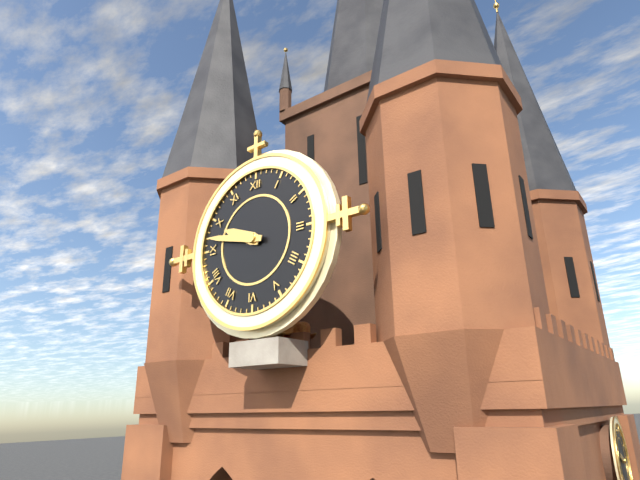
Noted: **9:47**
